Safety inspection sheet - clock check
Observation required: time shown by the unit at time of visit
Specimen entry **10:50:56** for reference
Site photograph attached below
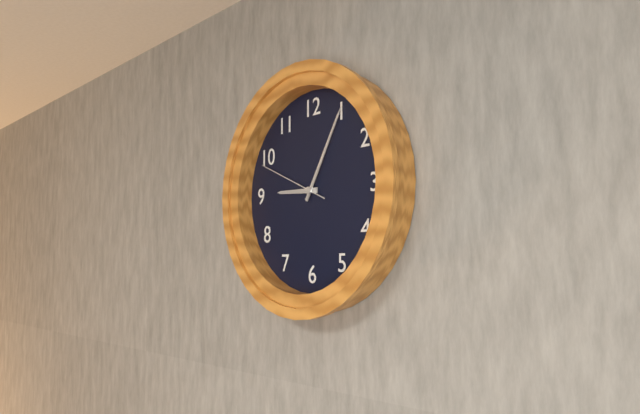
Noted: **9:05:49**
